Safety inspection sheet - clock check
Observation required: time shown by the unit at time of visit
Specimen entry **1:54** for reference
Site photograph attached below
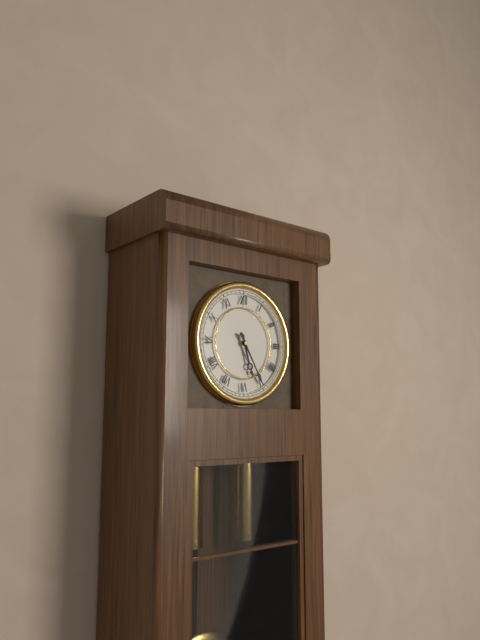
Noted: **5:25**
